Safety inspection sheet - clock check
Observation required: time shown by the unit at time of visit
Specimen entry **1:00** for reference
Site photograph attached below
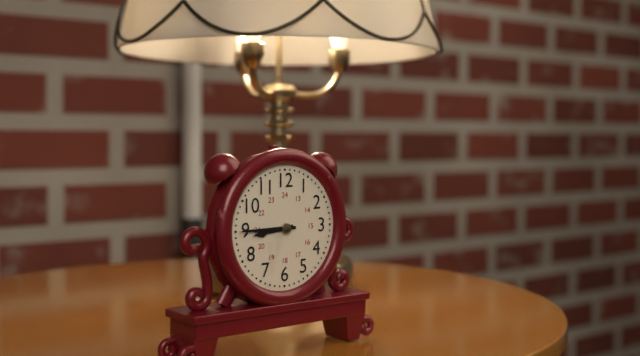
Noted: **8:45**
